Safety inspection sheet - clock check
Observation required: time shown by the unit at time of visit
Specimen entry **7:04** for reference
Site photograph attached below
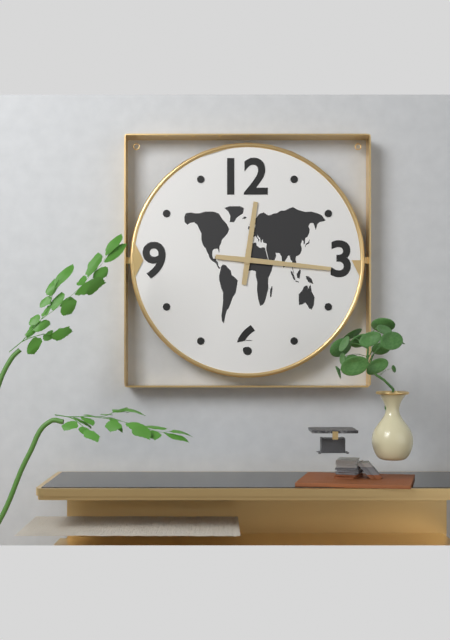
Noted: **12:16**
